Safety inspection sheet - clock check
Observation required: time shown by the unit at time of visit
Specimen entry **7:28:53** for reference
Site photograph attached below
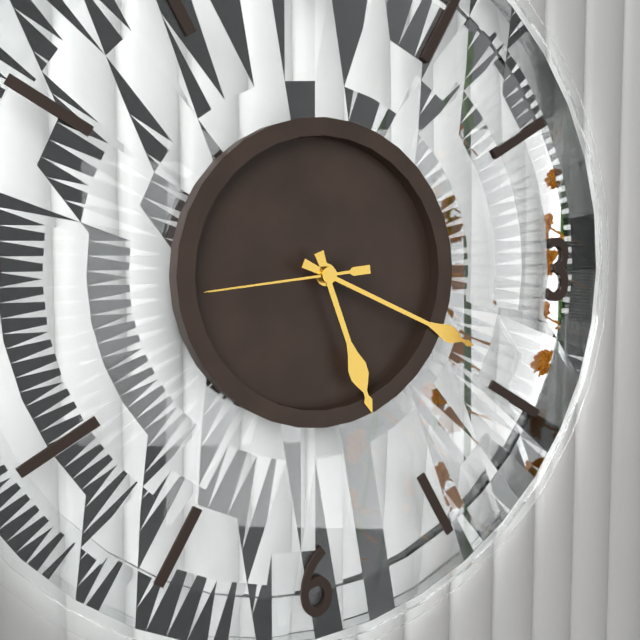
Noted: **5:19:44**
